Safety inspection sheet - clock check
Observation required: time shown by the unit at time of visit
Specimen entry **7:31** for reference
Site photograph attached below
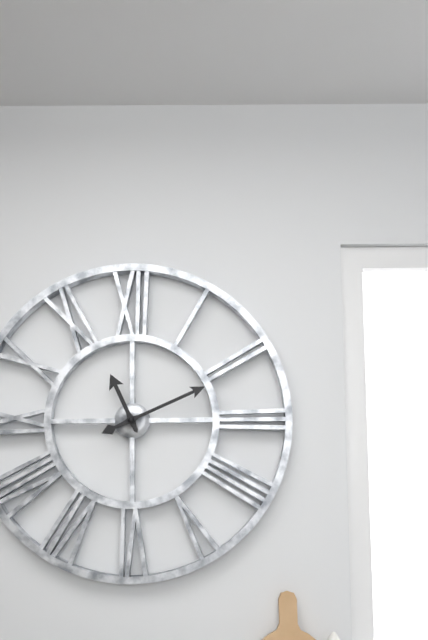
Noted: **11:11**
